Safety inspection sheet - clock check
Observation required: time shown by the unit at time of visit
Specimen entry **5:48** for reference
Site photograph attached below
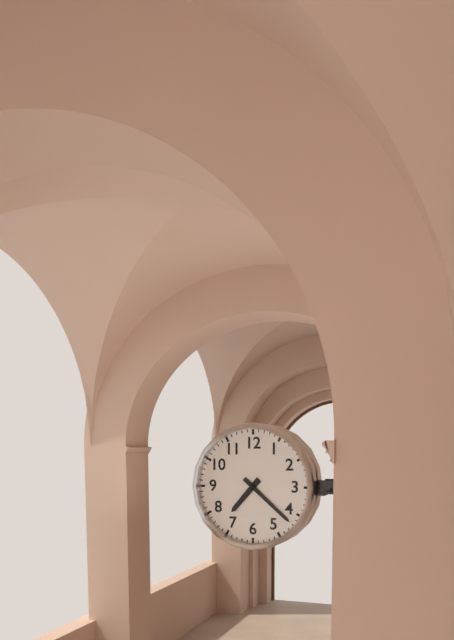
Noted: **7:22**
